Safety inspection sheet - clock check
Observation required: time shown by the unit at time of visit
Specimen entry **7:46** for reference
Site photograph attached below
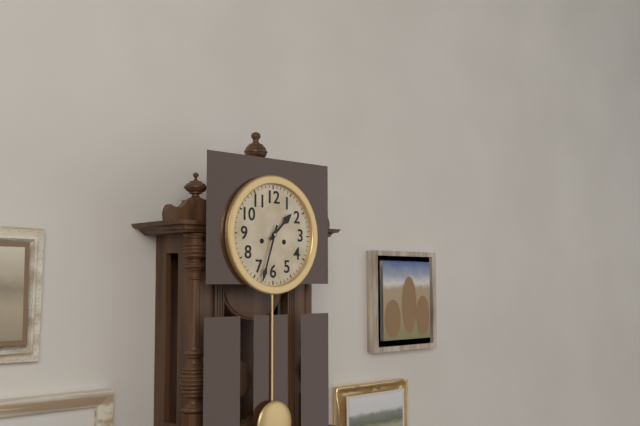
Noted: **1:33**
